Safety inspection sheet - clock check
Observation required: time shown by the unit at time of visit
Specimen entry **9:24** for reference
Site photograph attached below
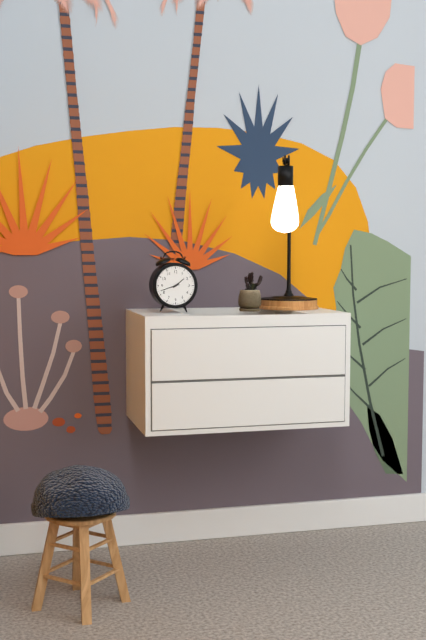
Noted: **1:42**
